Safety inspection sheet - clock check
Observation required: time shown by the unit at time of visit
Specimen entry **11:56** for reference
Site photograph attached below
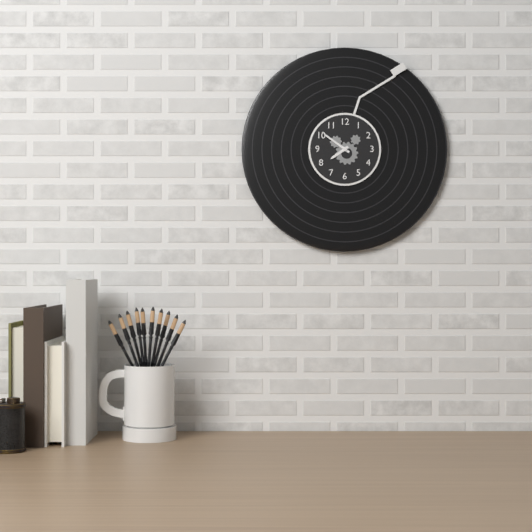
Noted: **7:51**
